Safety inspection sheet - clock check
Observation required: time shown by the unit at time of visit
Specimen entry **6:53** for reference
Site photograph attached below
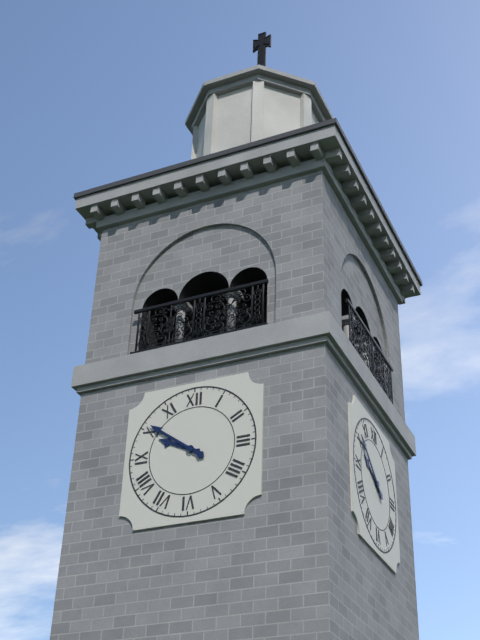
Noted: **9:51**
